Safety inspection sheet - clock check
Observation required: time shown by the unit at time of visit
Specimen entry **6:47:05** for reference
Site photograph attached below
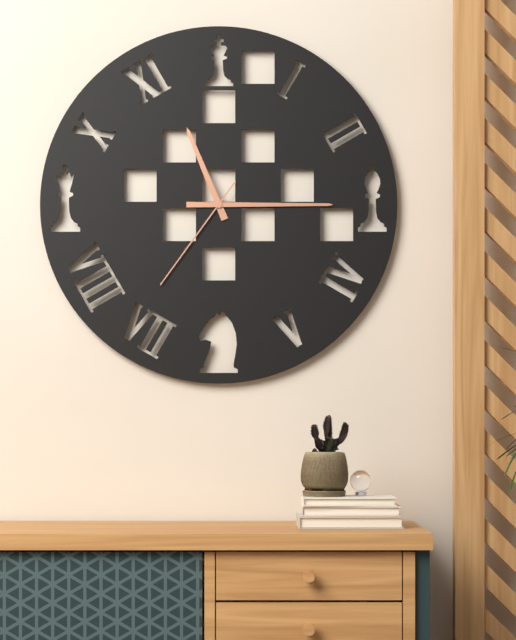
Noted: **11:15:36**
